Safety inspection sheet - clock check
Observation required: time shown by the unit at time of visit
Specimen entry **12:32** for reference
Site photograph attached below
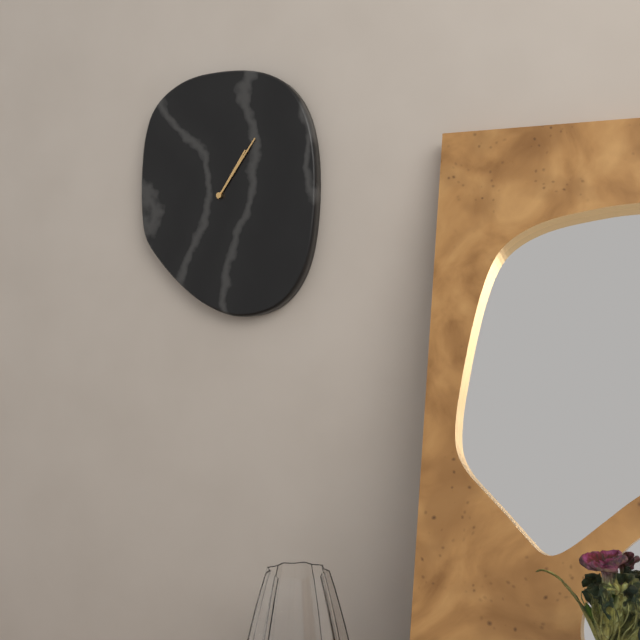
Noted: **1:06**
